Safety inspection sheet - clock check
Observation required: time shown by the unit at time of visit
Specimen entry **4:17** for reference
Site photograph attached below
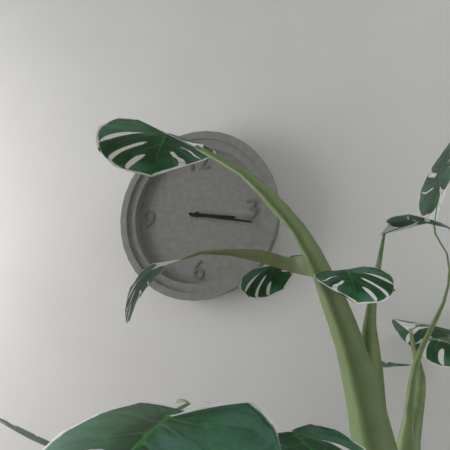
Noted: **3:17**
